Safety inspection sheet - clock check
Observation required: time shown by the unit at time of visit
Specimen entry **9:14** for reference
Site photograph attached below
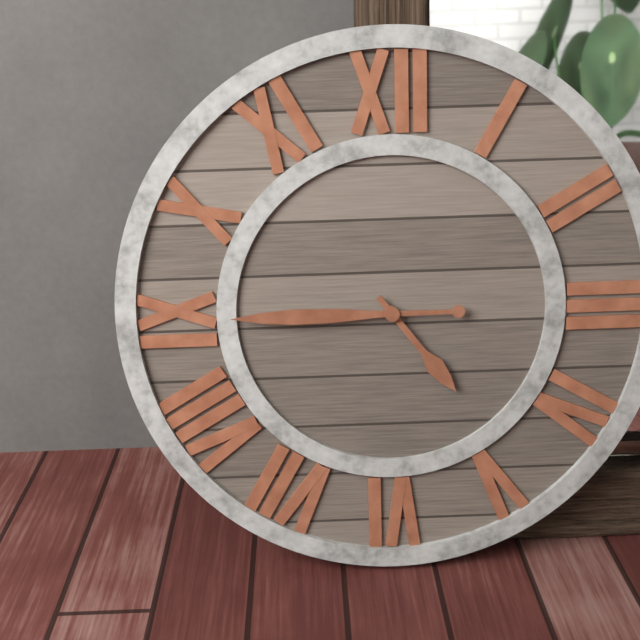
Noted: **4:45**
